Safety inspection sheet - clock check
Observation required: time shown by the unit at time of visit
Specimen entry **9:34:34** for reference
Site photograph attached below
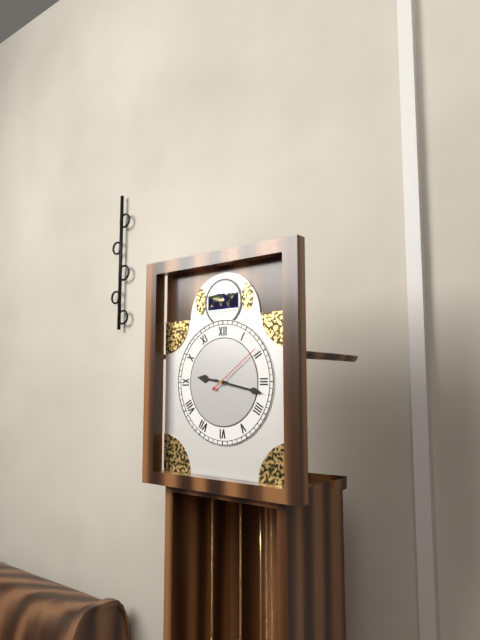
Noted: **9:17:09**
